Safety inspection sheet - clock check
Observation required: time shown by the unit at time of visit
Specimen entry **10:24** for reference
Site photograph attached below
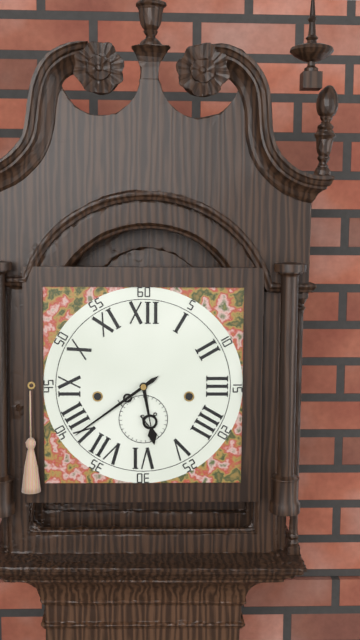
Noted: **5:39**
